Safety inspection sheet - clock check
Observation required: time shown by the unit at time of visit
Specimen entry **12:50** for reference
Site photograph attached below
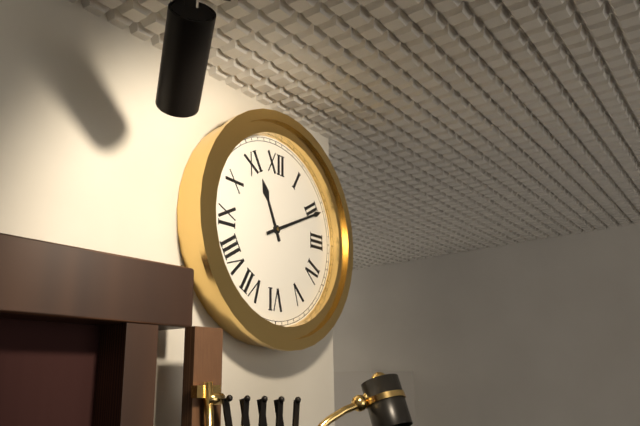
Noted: **11:11**
